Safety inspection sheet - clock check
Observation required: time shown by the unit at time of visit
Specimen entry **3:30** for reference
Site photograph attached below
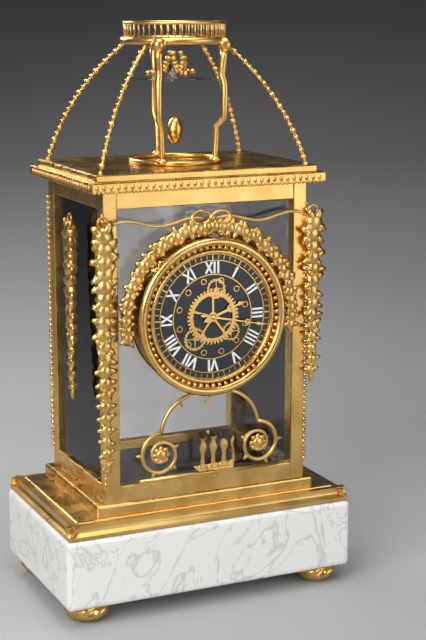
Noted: **2:17**
